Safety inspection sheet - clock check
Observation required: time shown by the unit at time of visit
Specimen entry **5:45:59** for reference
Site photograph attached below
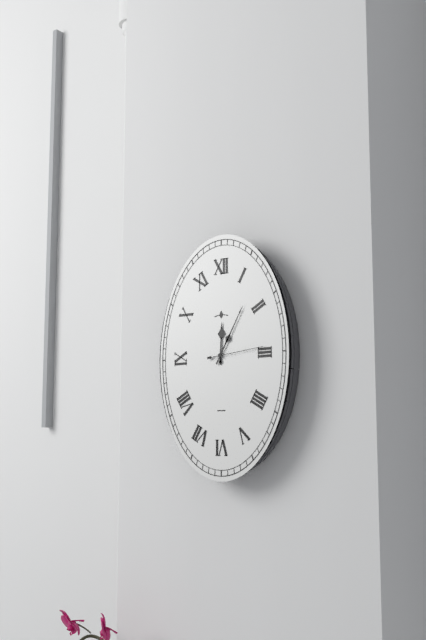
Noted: **12:05:14**
